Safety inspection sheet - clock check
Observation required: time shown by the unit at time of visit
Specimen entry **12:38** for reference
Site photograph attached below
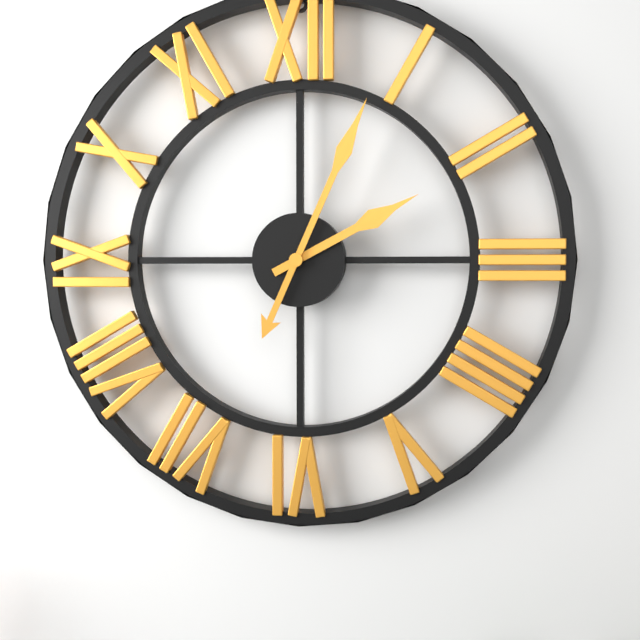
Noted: **2:04**
